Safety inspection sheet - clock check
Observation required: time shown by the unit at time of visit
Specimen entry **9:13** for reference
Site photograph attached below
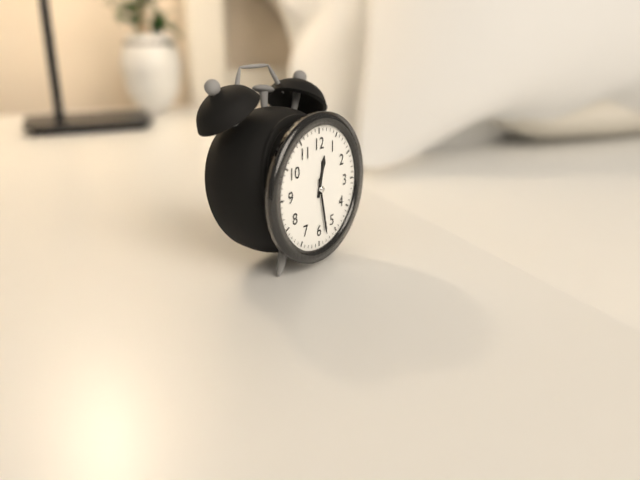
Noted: **12:28**
